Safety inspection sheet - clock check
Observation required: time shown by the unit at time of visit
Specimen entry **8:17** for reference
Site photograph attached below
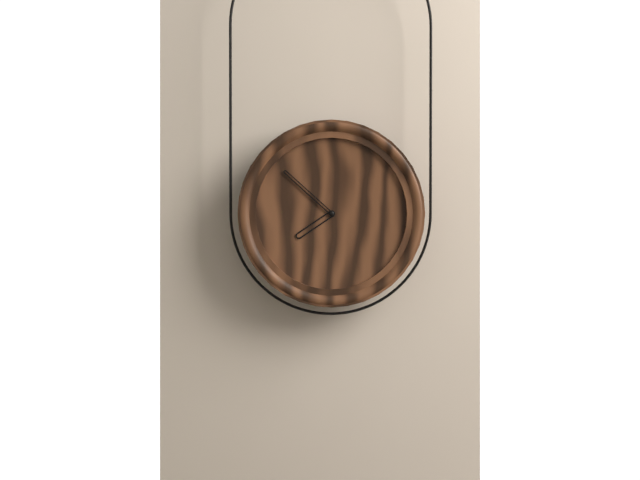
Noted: **7:52**
